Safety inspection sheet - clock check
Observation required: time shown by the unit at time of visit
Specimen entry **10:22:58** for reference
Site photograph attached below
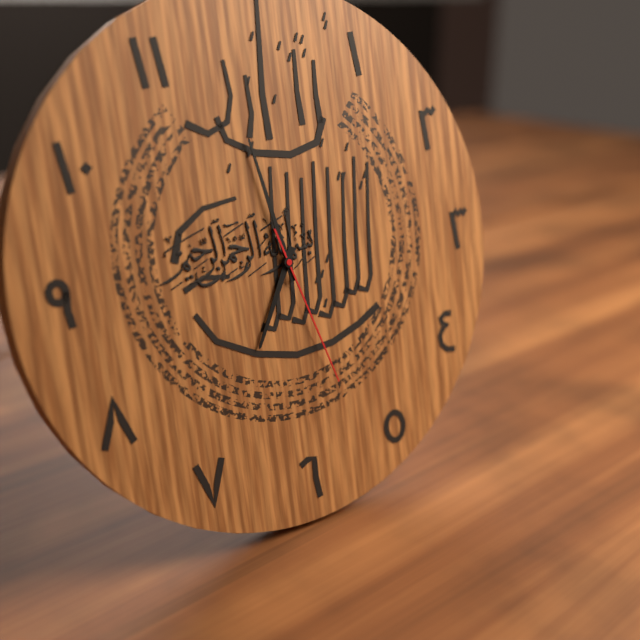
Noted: **6:58:27**
